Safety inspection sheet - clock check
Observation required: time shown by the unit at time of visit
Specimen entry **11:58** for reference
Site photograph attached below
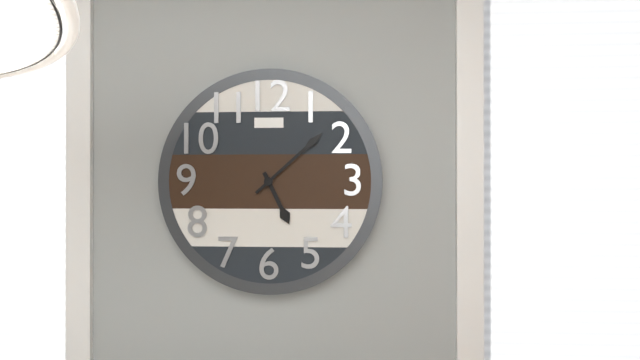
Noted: **5:08**
